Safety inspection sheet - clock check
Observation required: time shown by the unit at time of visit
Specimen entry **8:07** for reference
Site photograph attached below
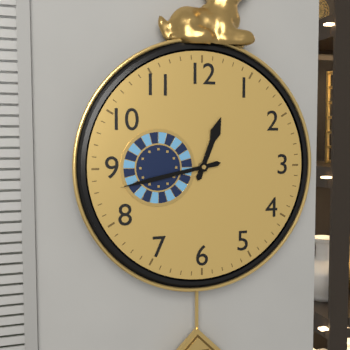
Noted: **12:43**
